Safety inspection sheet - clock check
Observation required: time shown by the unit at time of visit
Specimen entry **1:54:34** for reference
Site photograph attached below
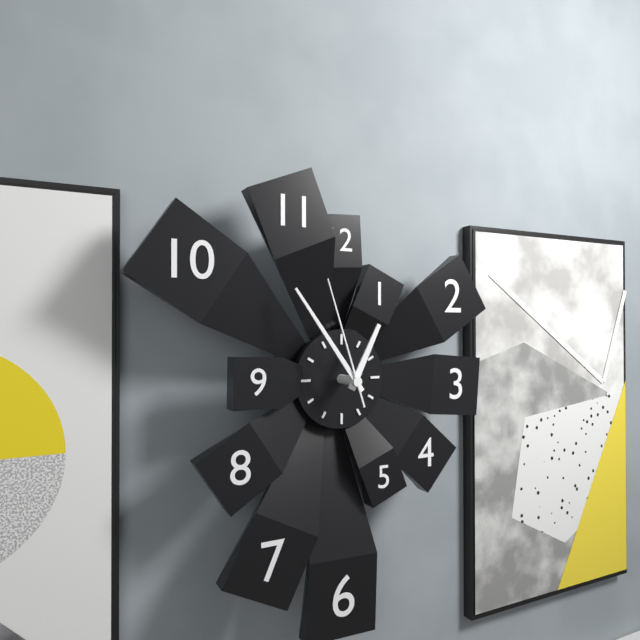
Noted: **12:54:57**
